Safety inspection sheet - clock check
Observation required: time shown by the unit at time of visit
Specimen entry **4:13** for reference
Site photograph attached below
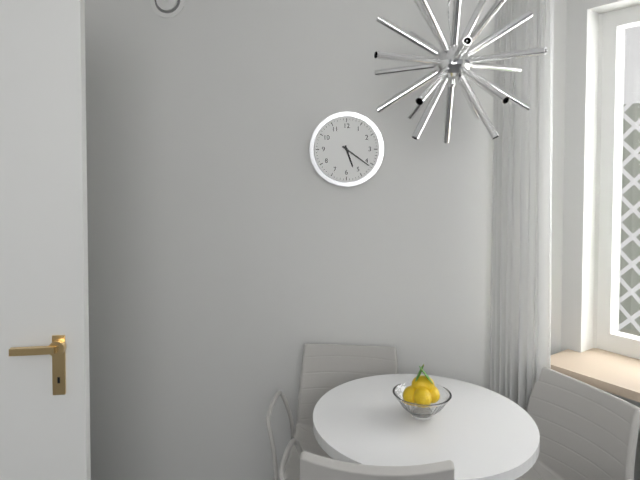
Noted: **5:21**
